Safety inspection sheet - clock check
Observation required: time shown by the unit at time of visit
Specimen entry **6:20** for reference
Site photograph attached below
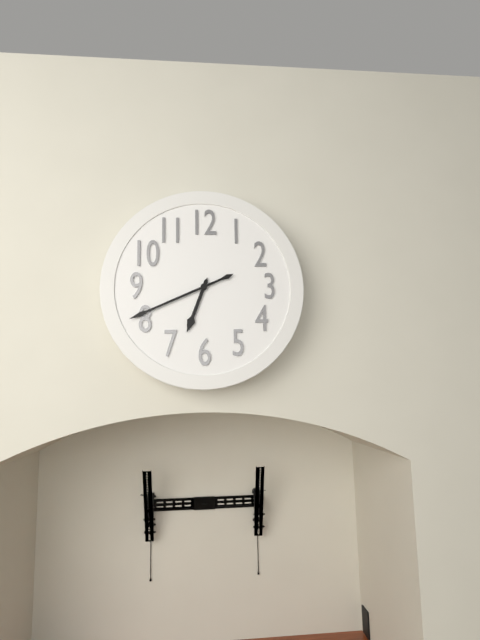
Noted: **6:41**
